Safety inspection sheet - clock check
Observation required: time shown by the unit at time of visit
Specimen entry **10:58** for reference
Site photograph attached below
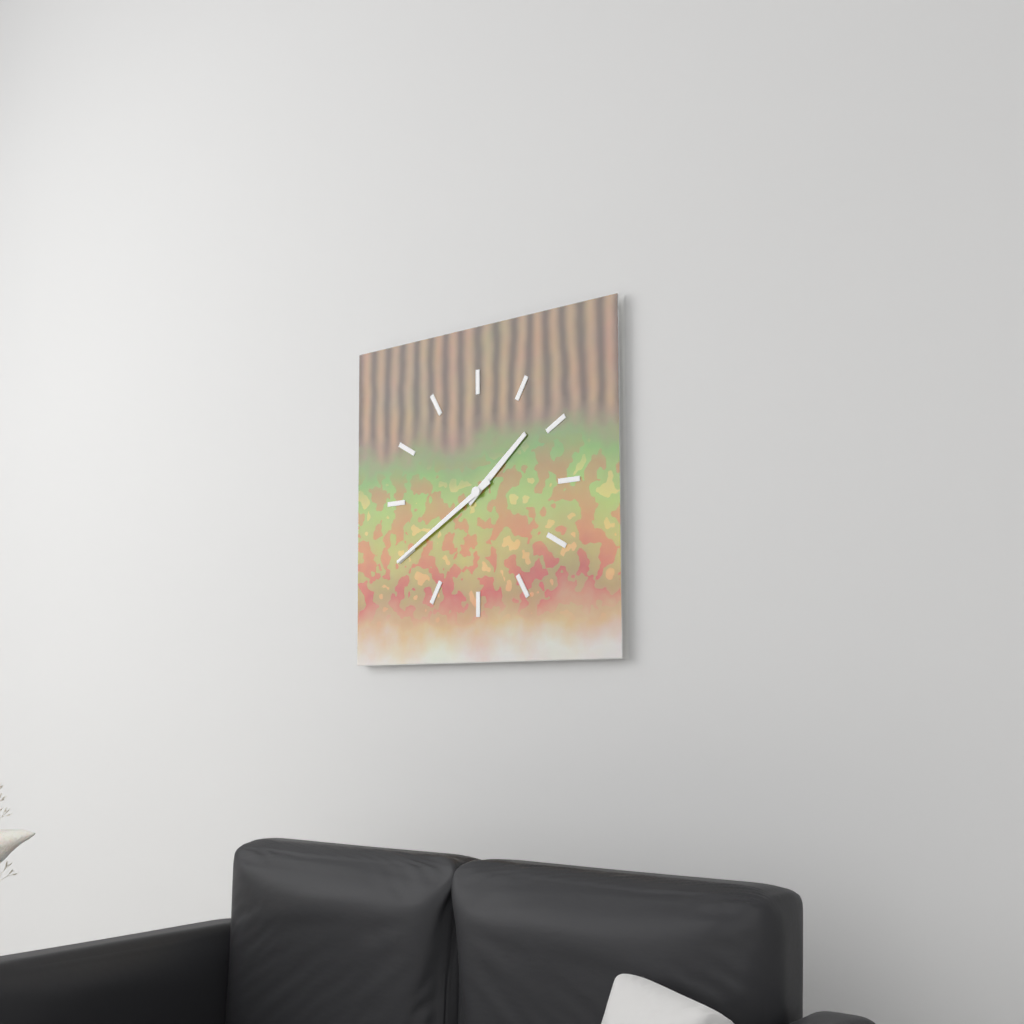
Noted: **1:40**
